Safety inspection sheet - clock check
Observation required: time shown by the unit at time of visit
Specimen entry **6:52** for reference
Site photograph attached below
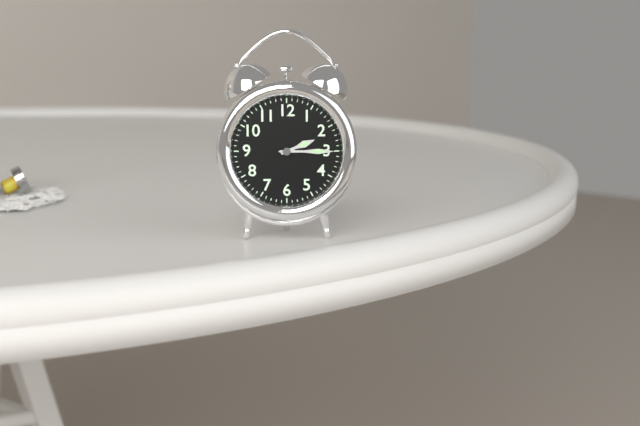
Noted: **2:15**
